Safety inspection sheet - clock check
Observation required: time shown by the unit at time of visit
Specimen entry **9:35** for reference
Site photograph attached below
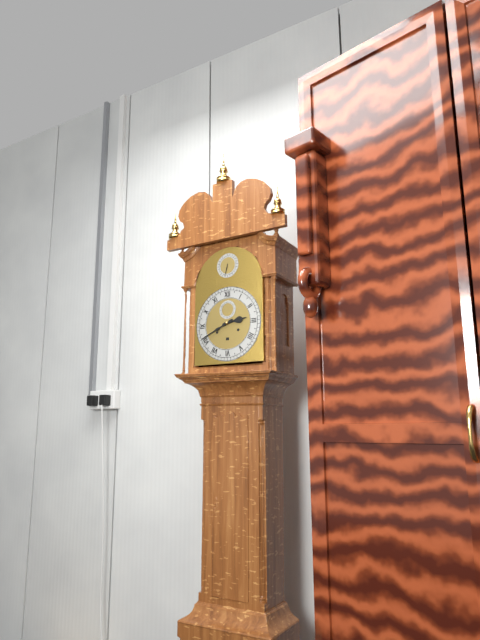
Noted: **2:41**
